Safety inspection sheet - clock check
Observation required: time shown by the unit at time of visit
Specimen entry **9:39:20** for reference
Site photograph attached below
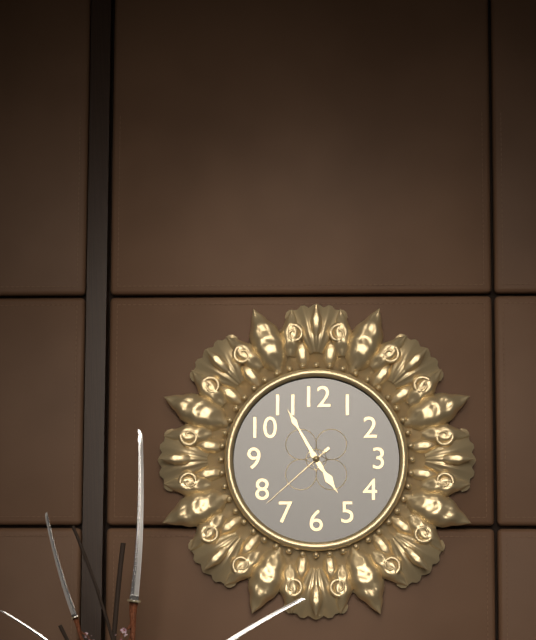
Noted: **4:55:38**
